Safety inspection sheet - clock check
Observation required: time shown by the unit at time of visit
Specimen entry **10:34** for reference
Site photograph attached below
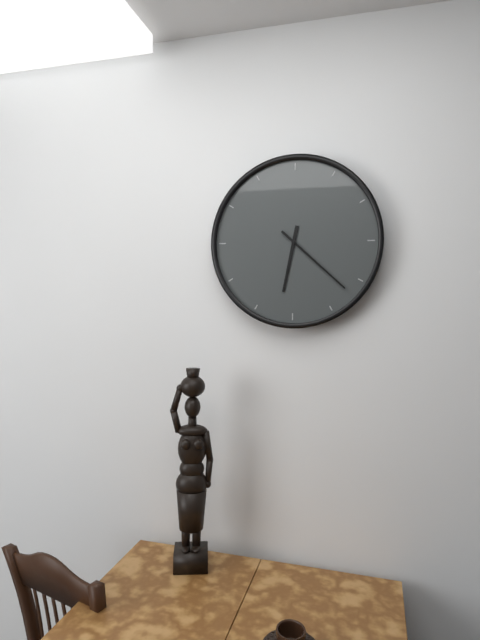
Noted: **6:22**
